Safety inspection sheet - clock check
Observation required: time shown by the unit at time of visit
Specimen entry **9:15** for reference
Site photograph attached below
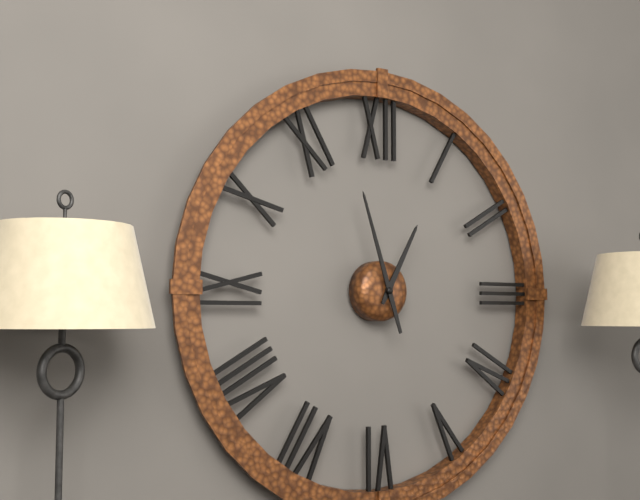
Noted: **12:57**
